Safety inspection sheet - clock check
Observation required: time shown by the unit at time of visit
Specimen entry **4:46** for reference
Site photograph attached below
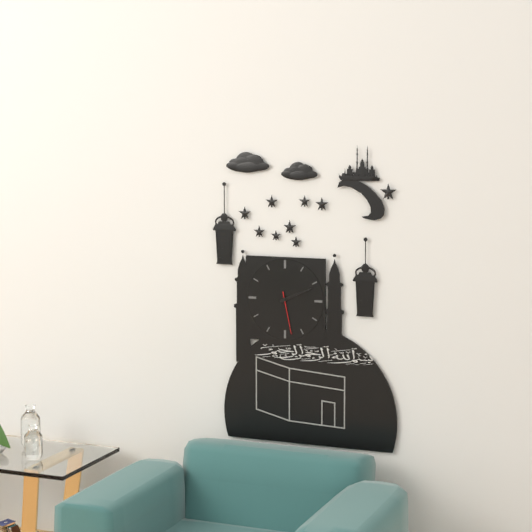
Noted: **2:11**
